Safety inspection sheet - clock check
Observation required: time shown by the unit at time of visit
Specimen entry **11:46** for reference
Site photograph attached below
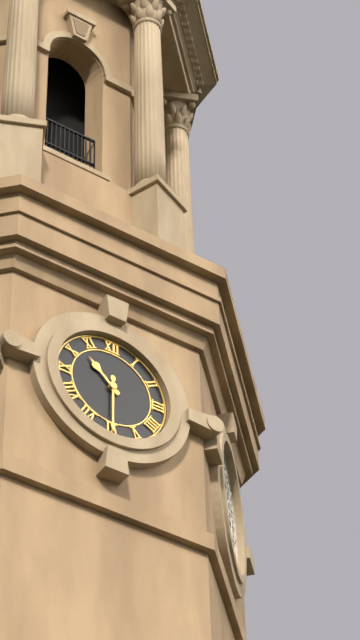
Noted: **10:30**
